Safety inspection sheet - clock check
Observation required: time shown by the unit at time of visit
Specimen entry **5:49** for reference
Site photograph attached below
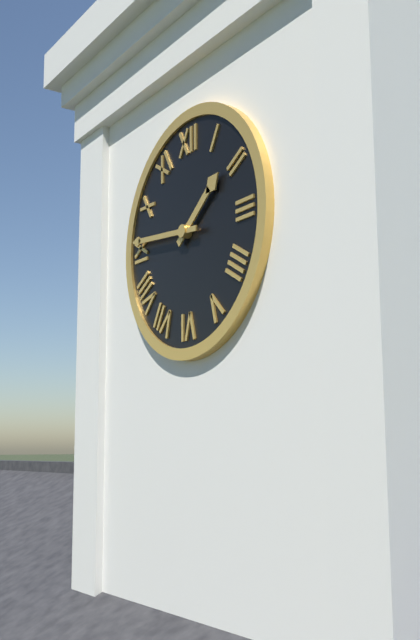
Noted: **1:46**
